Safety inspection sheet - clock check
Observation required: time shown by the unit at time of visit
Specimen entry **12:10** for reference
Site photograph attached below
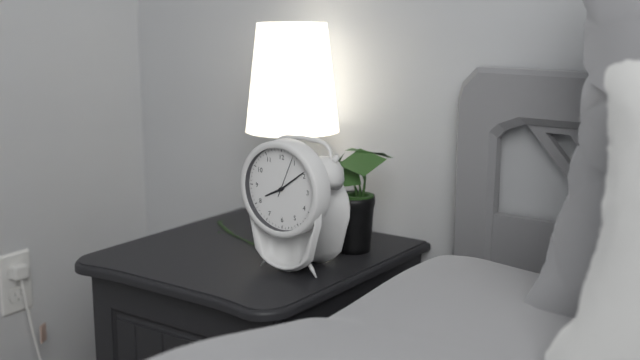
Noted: **8:09**
